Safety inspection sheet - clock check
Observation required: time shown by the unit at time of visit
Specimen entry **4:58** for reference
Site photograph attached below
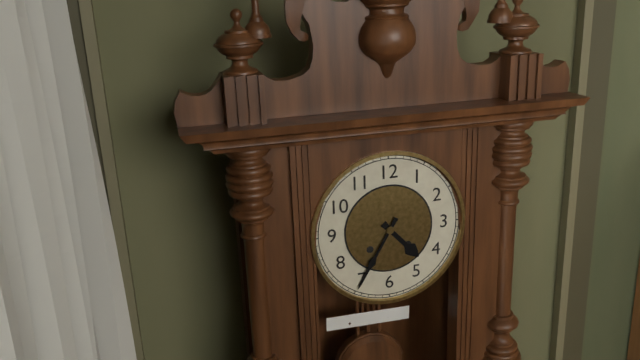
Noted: **4:35**
